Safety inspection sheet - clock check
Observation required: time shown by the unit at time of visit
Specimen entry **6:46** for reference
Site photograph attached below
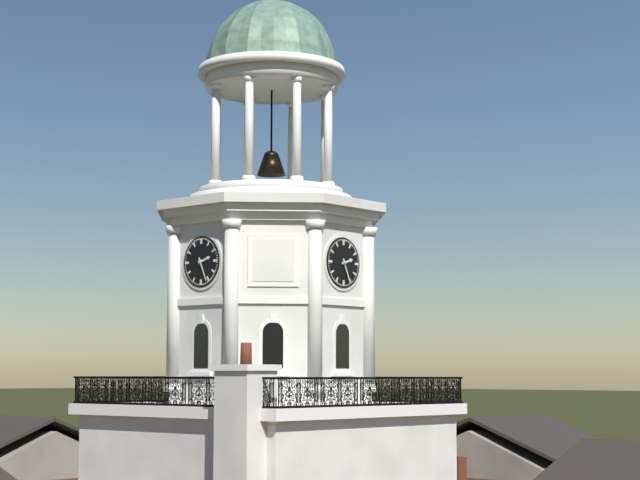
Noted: **2:26**
